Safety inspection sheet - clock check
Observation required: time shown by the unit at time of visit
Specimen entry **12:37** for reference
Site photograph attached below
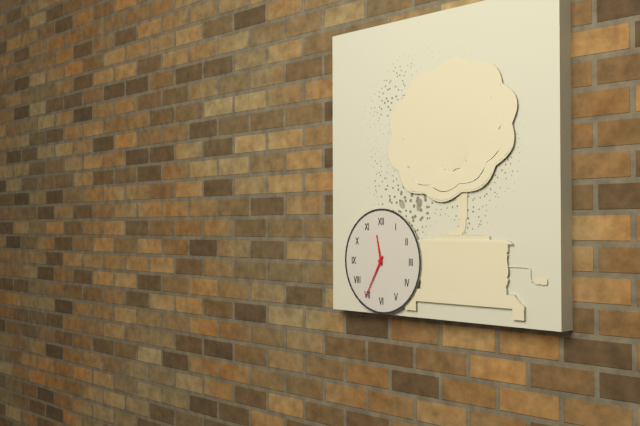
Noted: **11:35**
